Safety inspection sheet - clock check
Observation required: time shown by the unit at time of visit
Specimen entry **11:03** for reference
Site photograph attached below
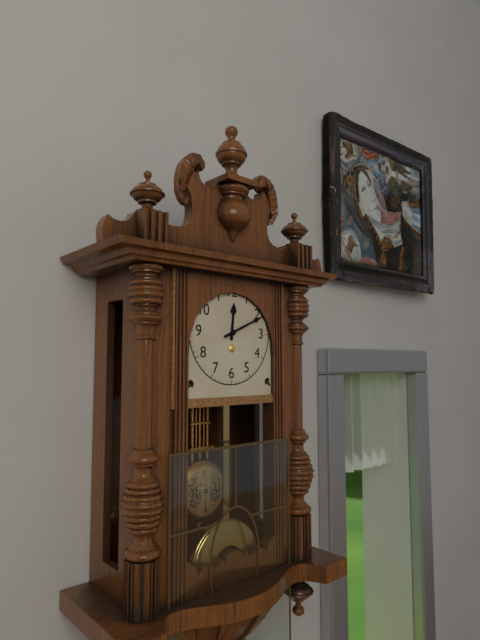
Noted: **12:11**
